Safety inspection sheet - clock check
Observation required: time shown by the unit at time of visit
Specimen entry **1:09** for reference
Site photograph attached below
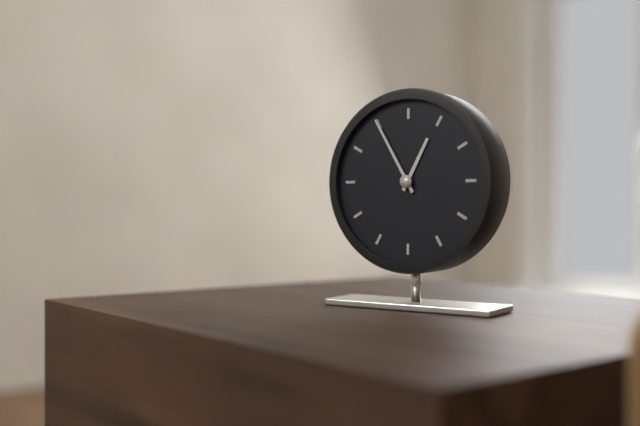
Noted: **12:55**
